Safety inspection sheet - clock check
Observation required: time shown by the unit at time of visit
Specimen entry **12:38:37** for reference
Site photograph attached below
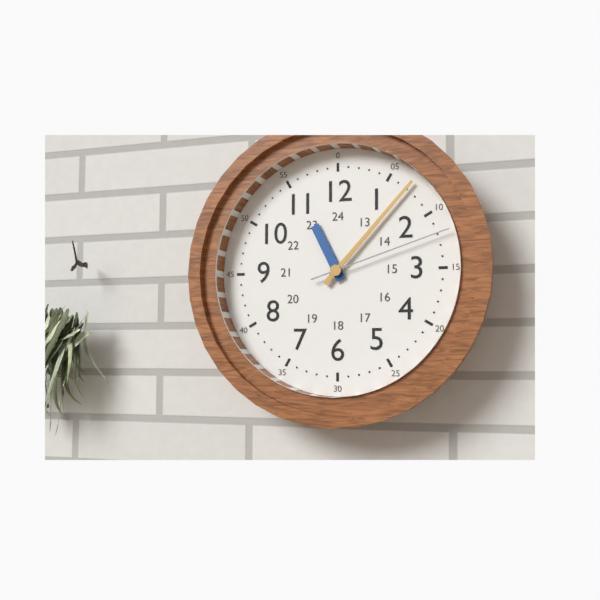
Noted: **11:07:12**
